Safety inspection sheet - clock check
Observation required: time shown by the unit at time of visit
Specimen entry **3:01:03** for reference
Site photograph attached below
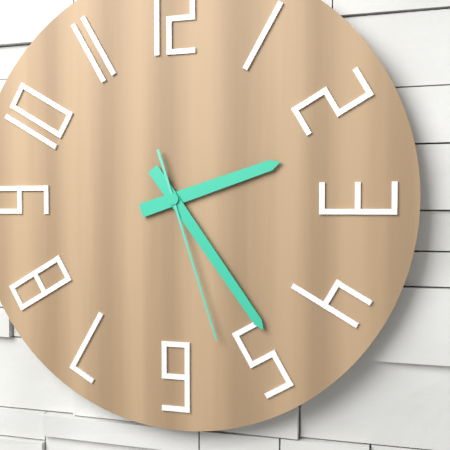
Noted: **2:24:27**
